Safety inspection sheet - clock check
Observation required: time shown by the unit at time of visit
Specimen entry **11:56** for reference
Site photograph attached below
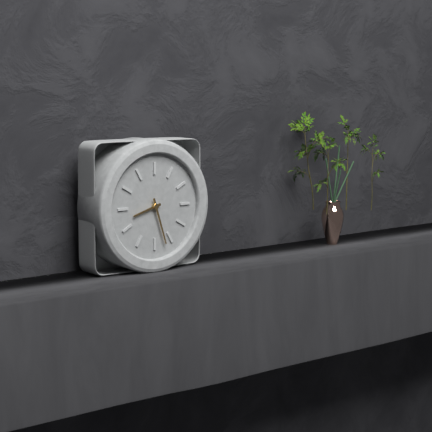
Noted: **8:27**
